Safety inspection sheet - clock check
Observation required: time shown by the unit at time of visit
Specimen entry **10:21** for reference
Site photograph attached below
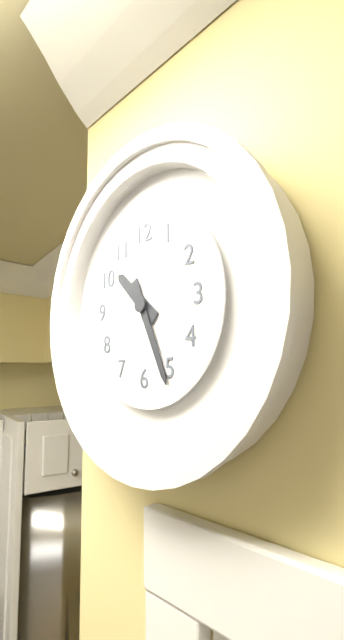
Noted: **10:26**
